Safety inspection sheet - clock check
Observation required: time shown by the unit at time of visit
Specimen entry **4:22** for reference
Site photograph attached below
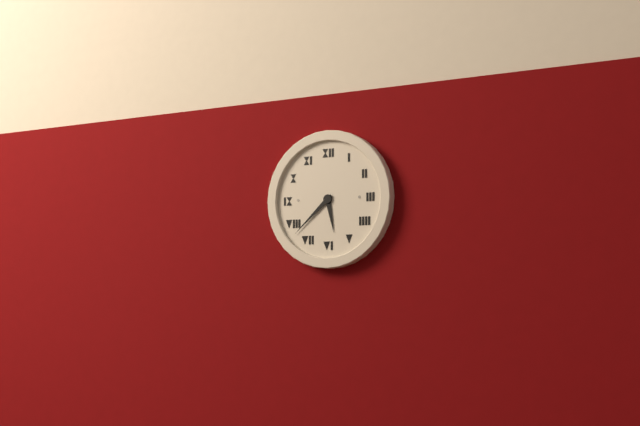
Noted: **5:38**
